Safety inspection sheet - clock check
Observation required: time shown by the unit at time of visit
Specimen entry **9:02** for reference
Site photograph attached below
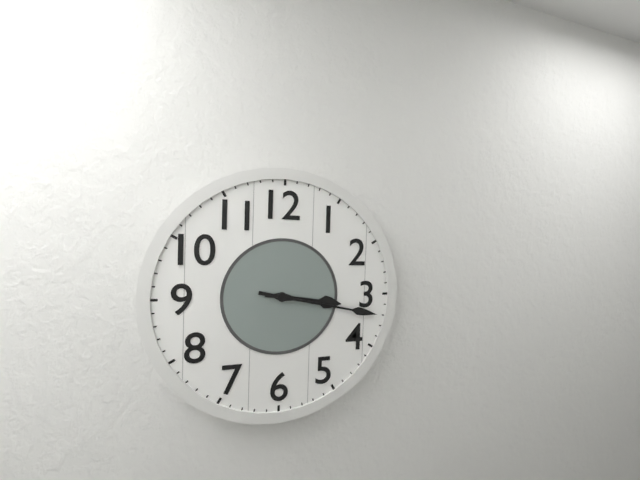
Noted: **3:17**
